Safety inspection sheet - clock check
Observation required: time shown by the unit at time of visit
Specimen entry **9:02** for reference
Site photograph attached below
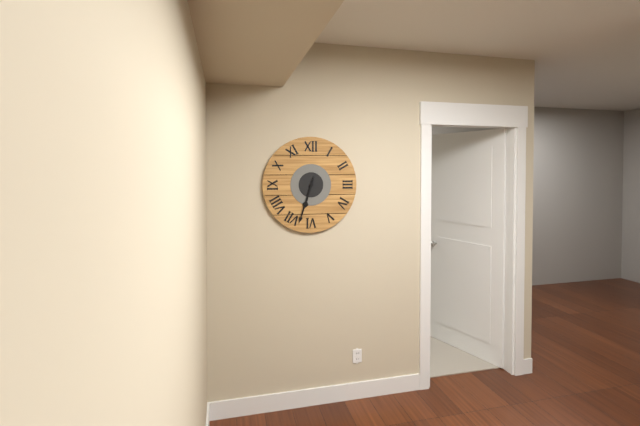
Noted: **6:33**
